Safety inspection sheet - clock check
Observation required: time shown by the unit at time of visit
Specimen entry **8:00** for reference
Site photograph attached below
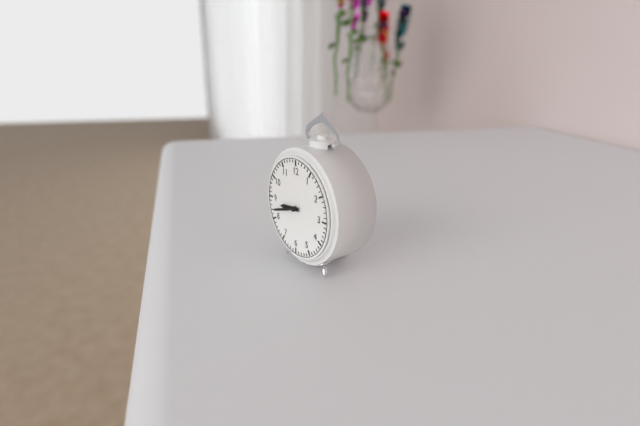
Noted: **8:42**
